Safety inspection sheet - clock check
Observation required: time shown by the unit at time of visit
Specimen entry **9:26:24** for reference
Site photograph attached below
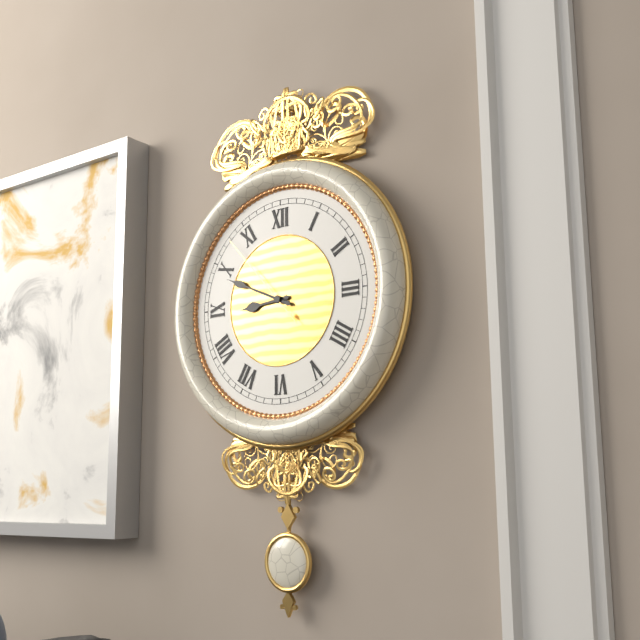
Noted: **8:49:53**
